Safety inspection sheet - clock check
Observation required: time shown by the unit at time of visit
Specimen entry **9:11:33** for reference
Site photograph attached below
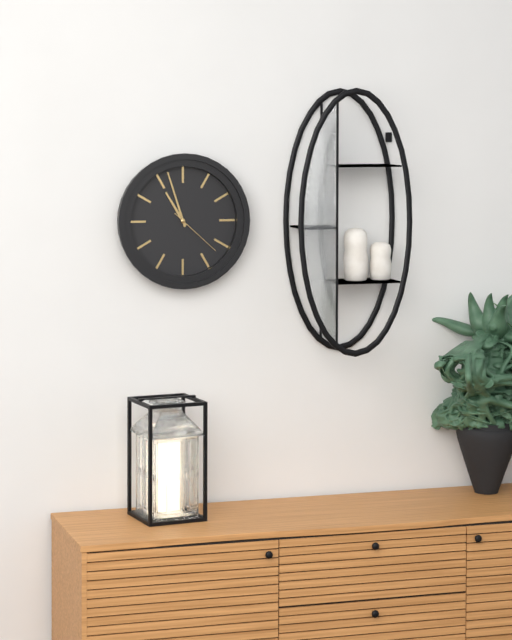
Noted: **10:57:22**
